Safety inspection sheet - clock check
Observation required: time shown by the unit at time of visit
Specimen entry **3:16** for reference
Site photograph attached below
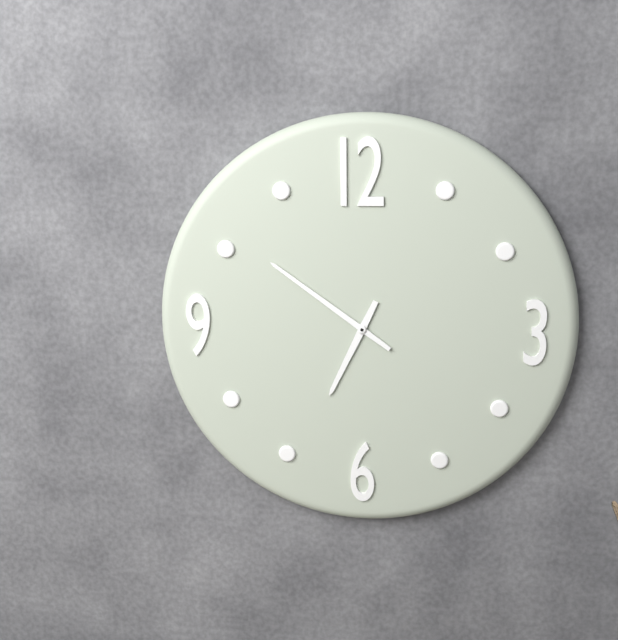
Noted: **6:51**
